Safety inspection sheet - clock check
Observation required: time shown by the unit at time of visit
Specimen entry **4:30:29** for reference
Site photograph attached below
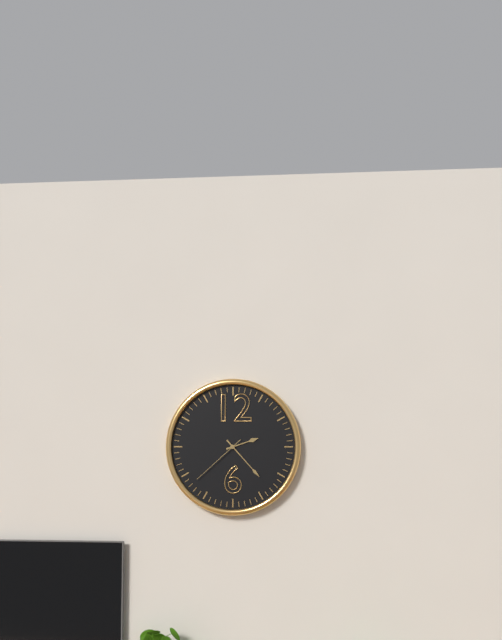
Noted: **2:23:38**
